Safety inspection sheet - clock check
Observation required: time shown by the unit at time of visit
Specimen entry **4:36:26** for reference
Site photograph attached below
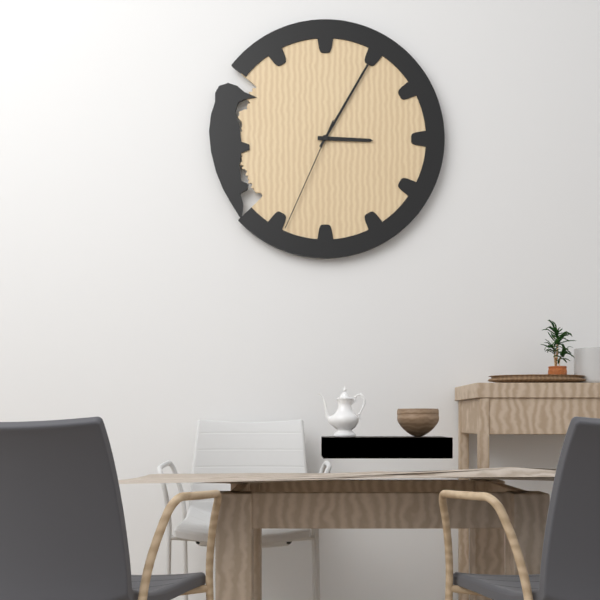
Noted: **3:05:34**
